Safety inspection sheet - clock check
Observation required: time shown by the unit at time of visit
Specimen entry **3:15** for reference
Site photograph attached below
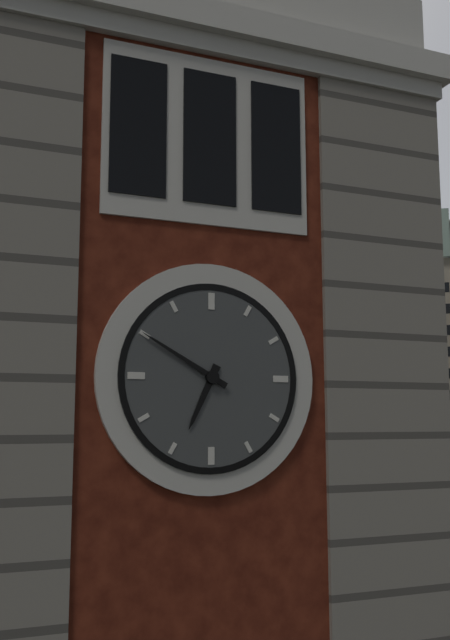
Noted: **6:50**
